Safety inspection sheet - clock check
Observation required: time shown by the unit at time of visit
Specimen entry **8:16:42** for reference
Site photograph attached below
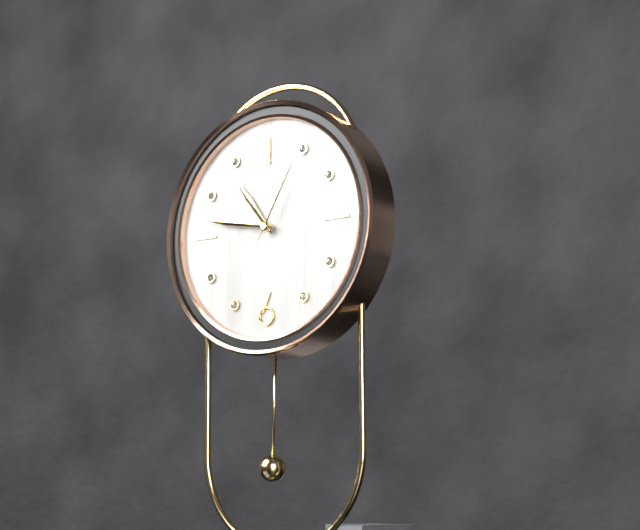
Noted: **10:47:05**
